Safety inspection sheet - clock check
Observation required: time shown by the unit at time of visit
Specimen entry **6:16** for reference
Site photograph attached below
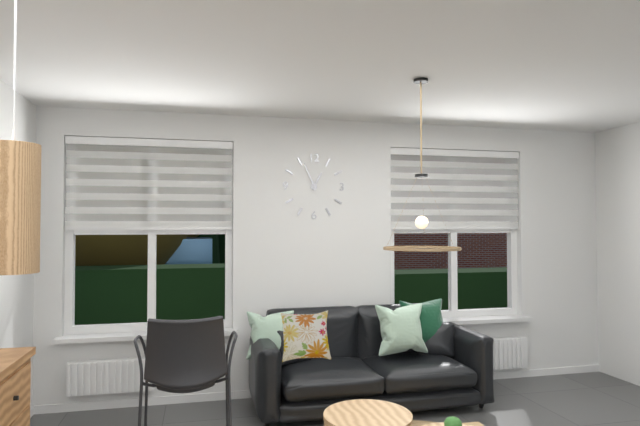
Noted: **12:56**
